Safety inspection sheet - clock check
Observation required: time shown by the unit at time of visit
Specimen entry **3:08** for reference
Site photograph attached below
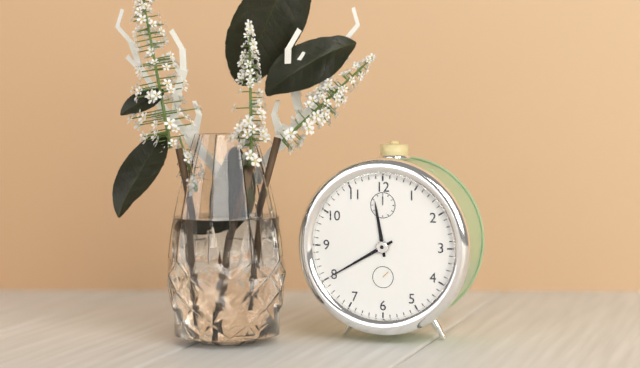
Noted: **11:40**
